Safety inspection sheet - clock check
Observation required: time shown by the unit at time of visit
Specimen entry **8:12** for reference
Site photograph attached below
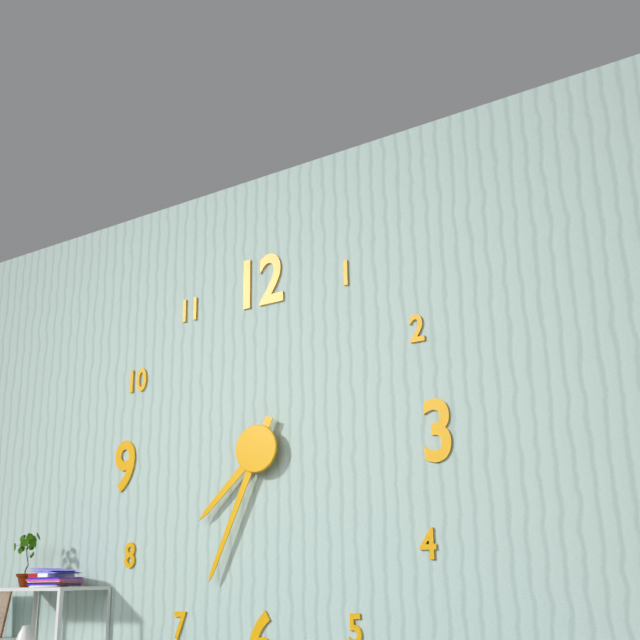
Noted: **7:34**
